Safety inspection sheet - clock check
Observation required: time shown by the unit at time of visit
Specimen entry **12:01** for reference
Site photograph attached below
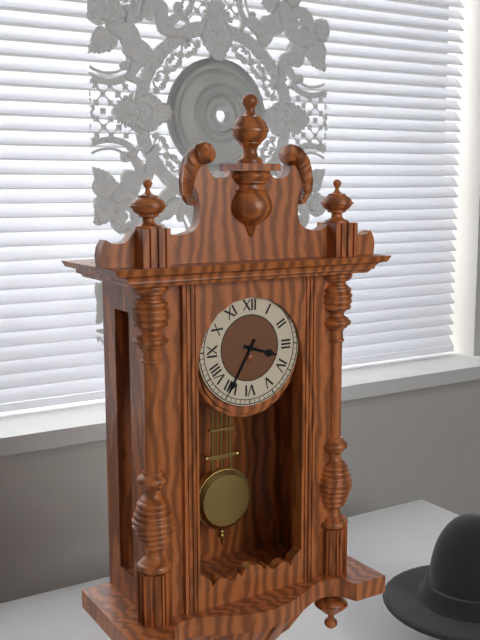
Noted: **3:35**
